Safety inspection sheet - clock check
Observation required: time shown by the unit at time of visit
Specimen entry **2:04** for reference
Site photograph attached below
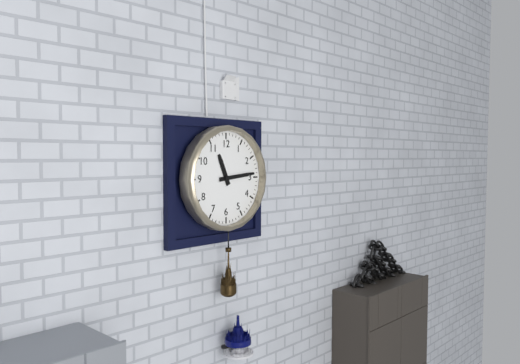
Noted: **11:14**
